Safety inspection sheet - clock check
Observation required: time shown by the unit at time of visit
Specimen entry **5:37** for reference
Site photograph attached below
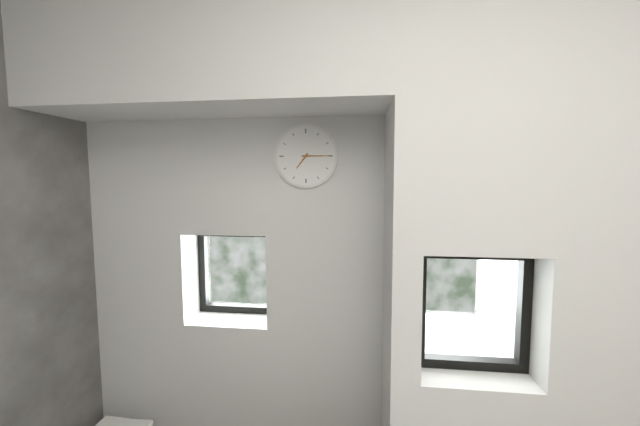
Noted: **7:15**
